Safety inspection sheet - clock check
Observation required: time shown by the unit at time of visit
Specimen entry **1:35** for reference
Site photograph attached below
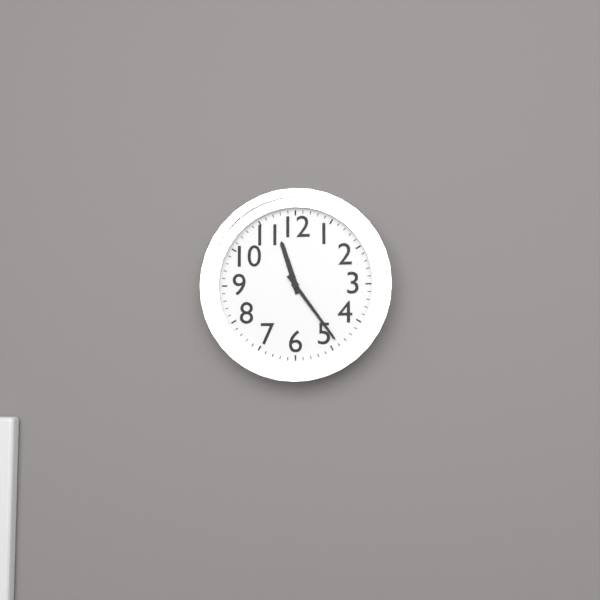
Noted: **11:24**
